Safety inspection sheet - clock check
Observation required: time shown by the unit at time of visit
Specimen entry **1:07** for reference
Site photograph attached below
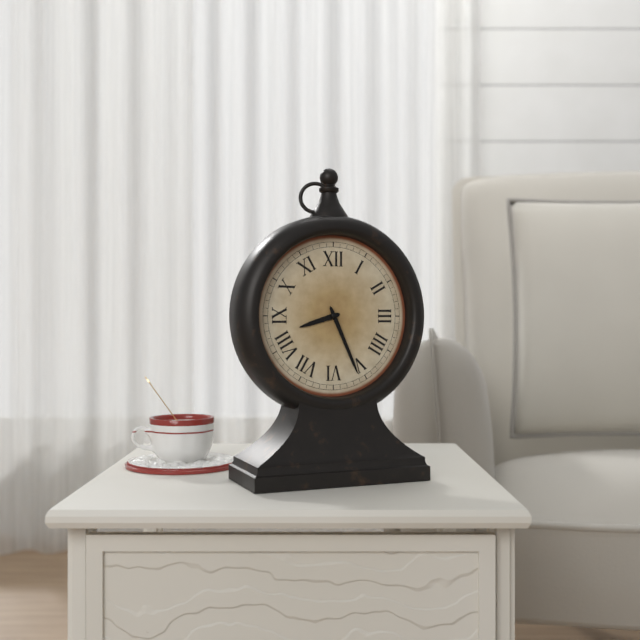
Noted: **8:26**
